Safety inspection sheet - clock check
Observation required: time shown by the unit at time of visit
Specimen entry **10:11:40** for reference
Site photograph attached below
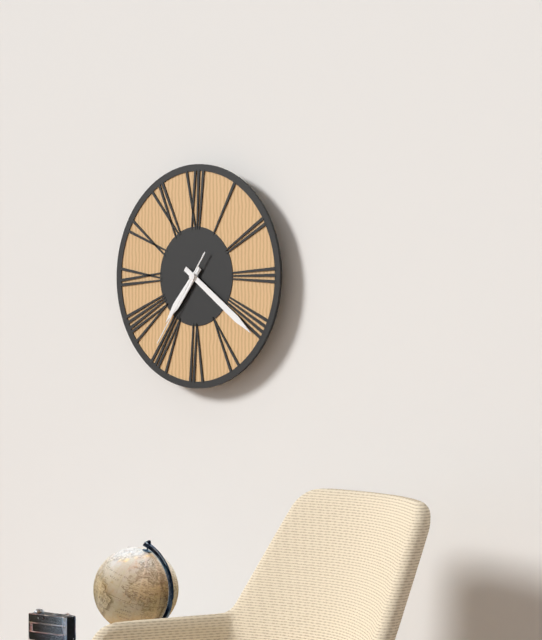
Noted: **7:21:36**
